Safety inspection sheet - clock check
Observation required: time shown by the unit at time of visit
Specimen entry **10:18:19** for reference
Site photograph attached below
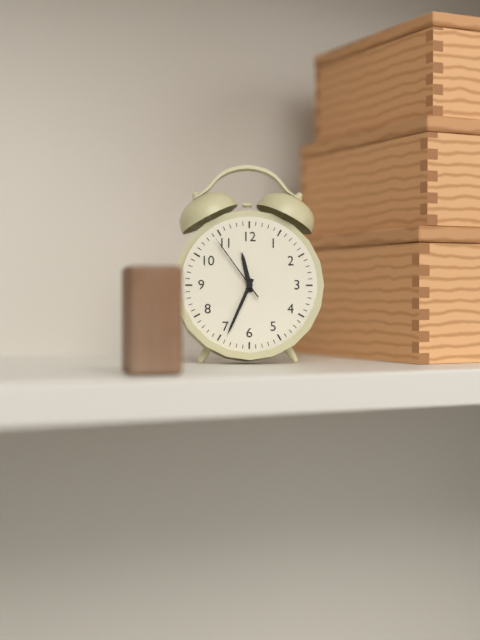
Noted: **11:34:54**
